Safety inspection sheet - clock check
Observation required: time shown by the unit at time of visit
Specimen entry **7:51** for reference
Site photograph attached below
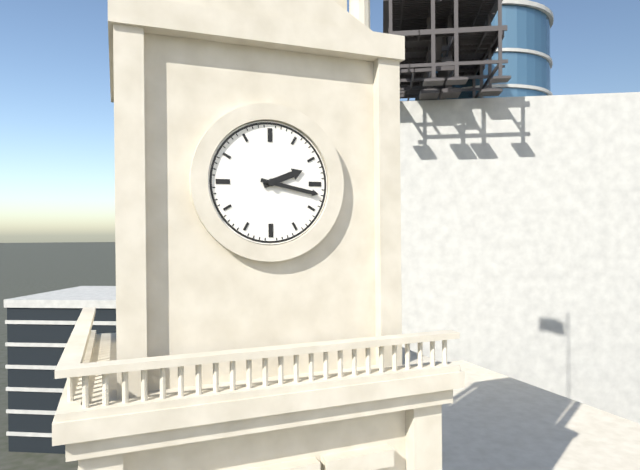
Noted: **2:17**
